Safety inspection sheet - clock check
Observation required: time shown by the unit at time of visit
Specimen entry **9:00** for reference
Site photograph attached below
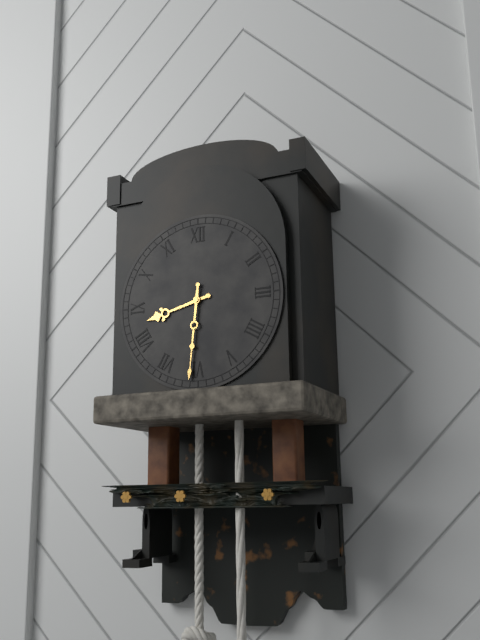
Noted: **8:31**
